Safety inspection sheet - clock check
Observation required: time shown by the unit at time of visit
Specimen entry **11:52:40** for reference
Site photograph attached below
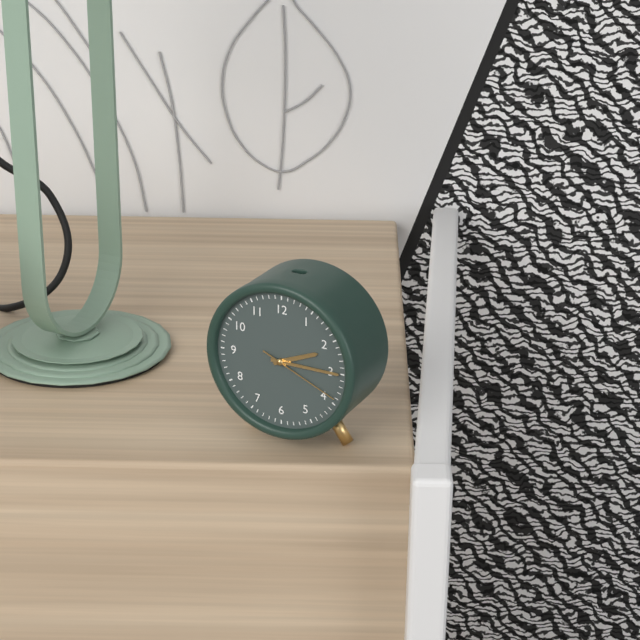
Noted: **2:15:19**
